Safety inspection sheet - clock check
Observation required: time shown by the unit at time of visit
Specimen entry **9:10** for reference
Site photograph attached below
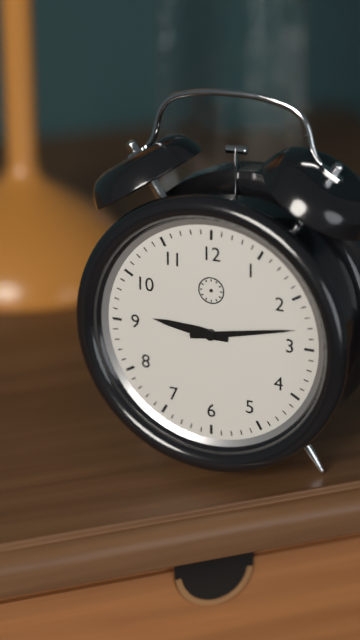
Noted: **9:13**
